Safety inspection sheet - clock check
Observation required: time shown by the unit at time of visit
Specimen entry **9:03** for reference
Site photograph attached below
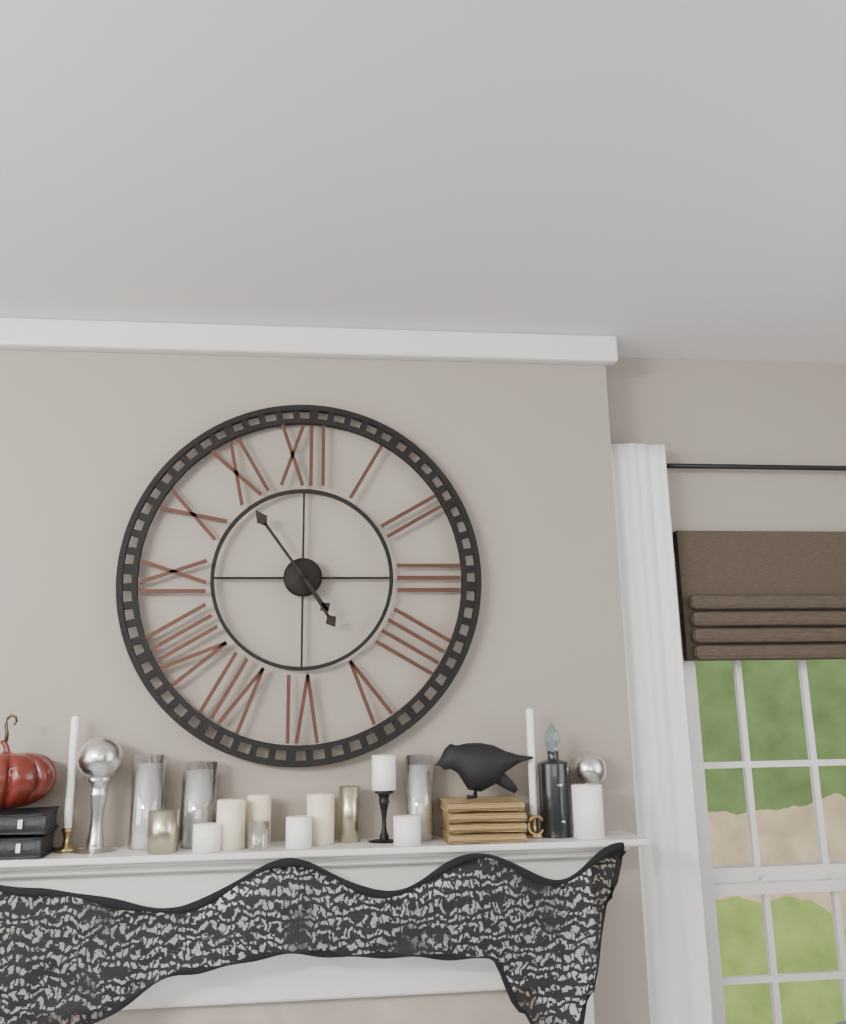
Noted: **4:54**
